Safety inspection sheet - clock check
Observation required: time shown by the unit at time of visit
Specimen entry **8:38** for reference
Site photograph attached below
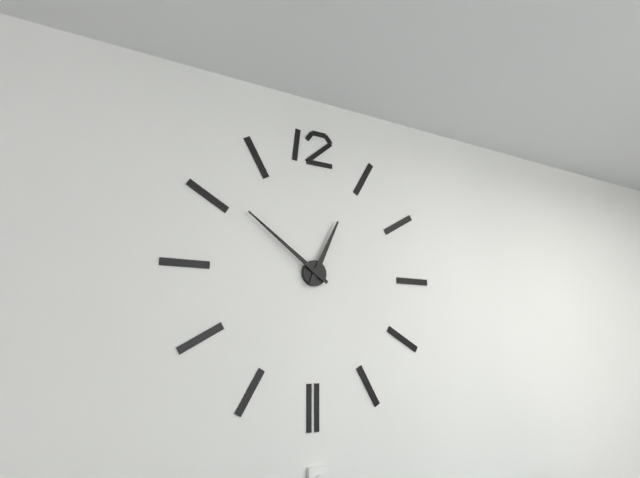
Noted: **12:51**
